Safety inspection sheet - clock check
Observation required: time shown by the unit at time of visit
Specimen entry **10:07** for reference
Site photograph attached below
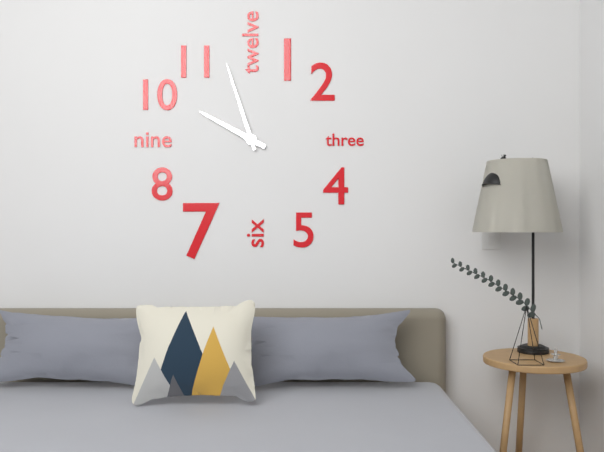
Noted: **9:57**
